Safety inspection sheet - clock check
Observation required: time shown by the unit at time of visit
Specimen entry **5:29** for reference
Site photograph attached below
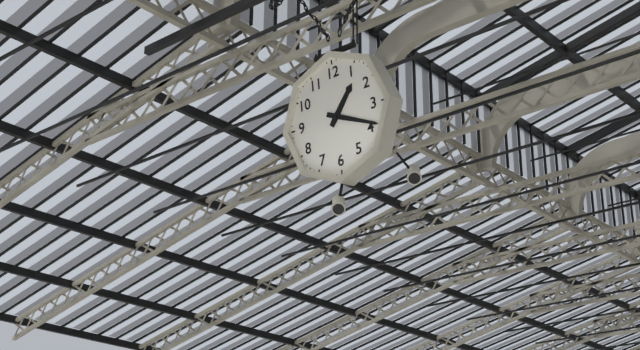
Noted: **1:19**
